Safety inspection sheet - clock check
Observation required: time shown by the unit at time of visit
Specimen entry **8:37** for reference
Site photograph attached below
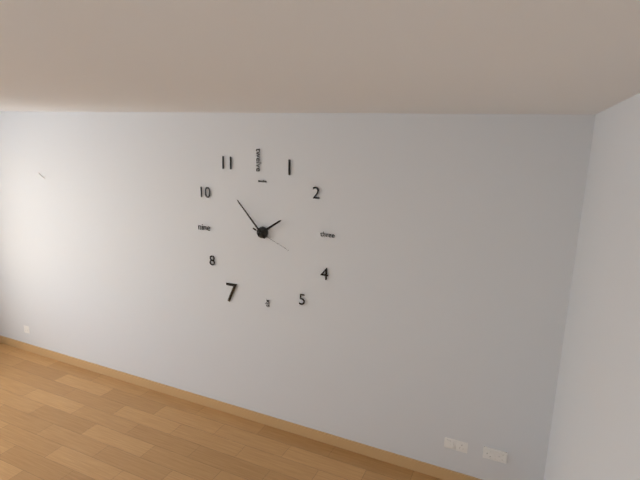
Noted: **1:53**
